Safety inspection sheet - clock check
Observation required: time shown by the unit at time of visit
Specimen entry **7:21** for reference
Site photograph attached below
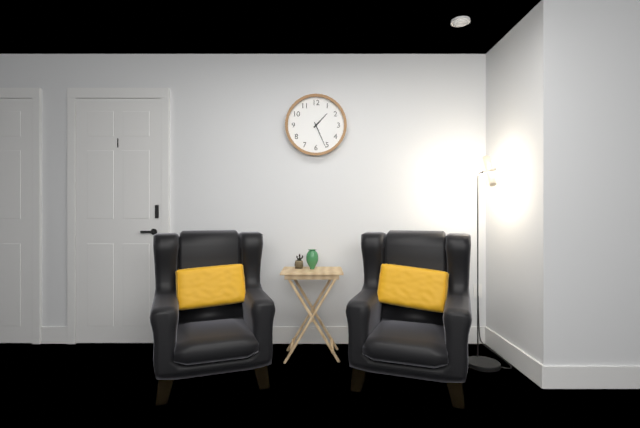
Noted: **1:26**
